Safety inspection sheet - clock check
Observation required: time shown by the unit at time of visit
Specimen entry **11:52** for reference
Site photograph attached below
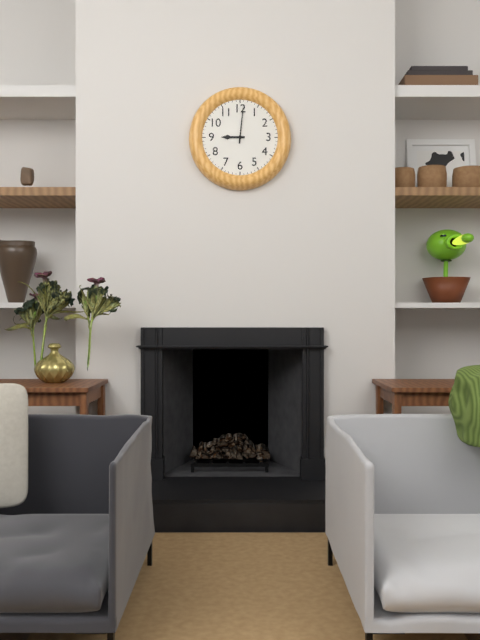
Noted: **9:01**
